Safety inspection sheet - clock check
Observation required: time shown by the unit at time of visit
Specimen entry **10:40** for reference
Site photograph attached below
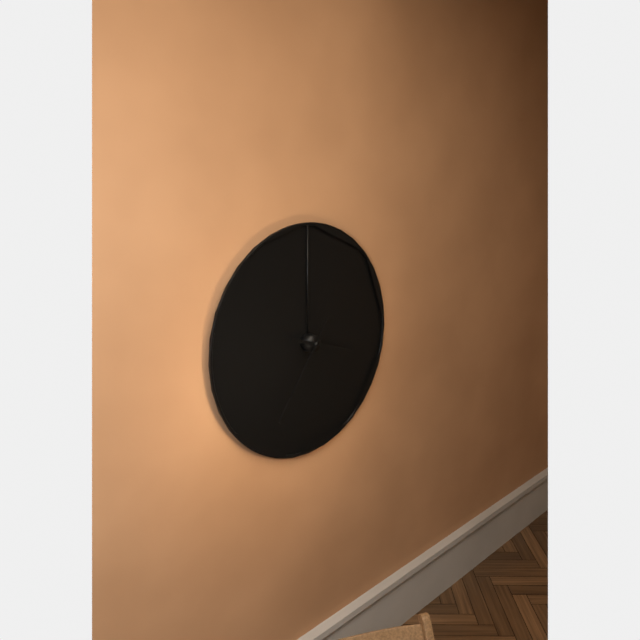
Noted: **3:36**
